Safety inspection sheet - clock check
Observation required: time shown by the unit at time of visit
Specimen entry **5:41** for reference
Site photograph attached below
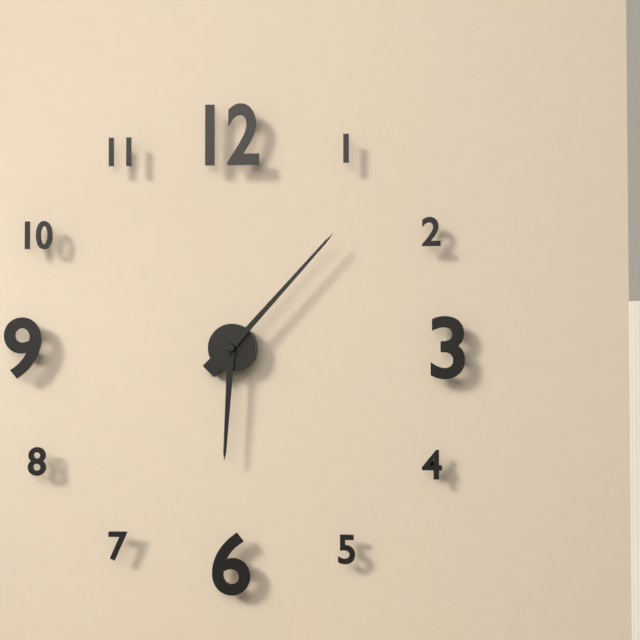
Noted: **6:07**
